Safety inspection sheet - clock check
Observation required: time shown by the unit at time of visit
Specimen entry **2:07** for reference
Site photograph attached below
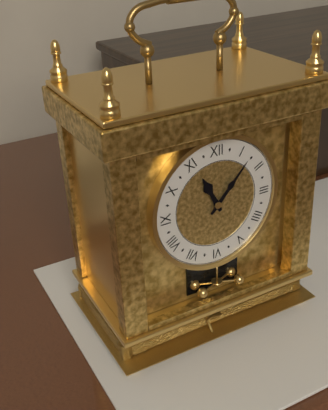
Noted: **11:07**
